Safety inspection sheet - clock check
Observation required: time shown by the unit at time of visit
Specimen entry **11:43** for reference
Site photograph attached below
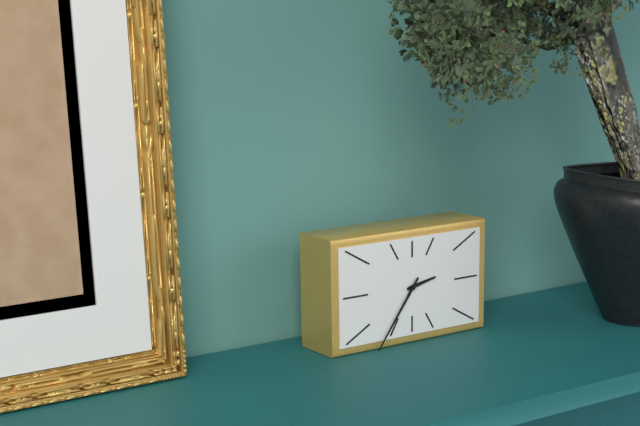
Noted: **2:36**
